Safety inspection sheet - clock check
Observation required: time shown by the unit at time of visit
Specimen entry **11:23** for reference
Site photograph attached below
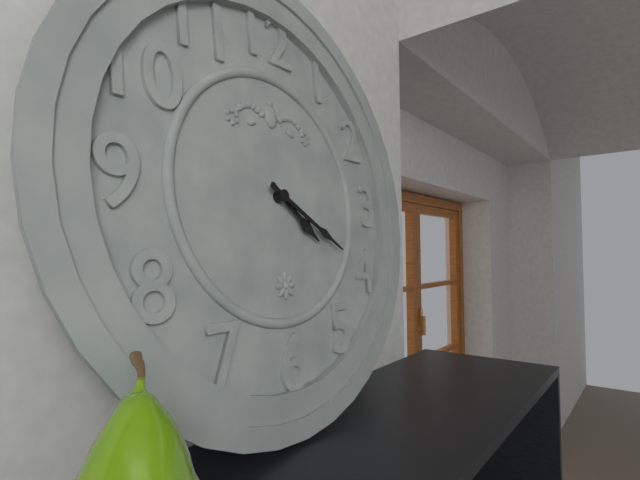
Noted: **4:20**
